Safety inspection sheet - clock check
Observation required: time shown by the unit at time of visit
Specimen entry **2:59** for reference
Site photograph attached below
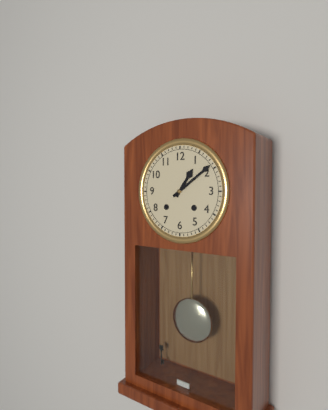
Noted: **1:09**
